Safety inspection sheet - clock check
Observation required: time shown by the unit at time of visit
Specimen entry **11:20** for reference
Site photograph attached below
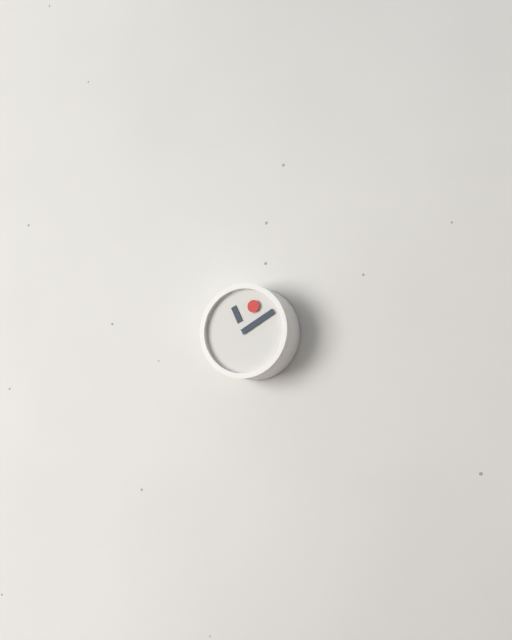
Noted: **11:10**
